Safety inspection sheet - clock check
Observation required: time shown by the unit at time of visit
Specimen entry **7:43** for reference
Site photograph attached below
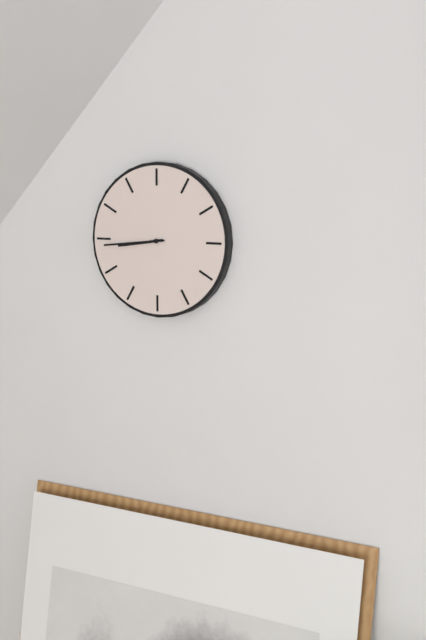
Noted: **8:44**
